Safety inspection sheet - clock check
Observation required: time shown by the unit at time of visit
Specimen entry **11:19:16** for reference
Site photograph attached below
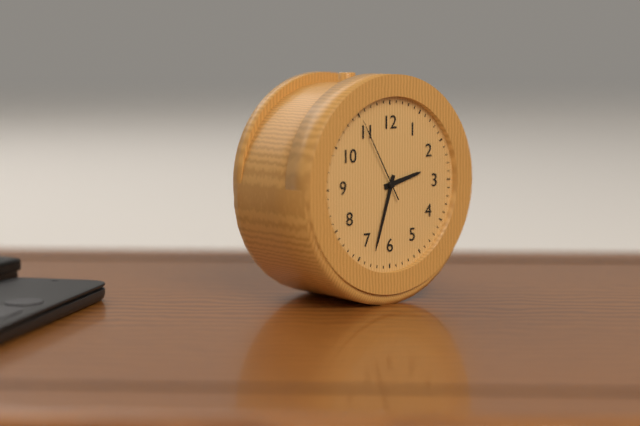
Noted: **2:33:55**
